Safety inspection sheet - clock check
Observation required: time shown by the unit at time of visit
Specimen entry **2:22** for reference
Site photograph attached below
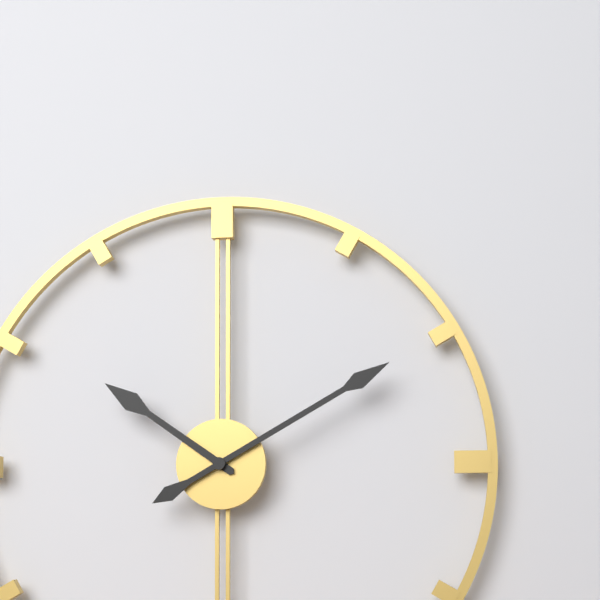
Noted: **10:10**
